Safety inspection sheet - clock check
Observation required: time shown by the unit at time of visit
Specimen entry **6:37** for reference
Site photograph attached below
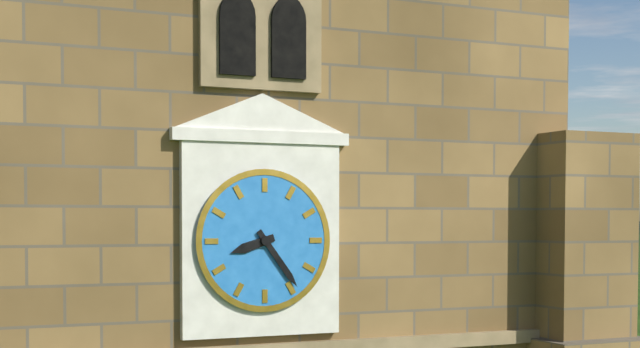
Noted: **8:24**
